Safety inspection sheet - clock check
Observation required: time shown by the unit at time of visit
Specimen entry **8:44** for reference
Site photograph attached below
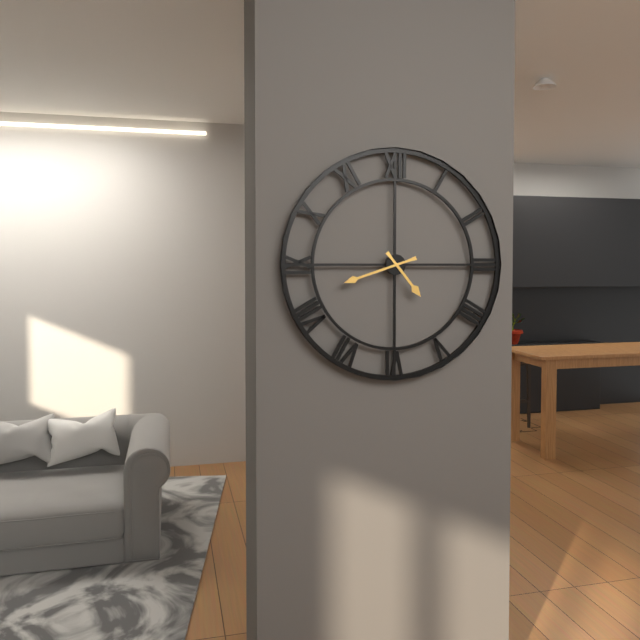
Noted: **4:42**
